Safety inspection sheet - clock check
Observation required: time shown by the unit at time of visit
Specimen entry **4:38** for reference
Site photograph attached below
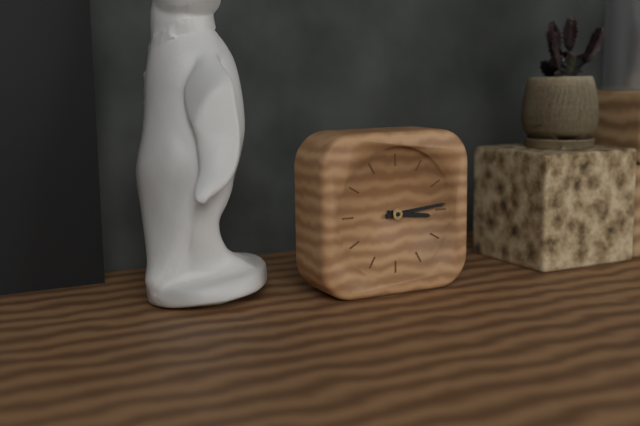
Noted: **3:14**
